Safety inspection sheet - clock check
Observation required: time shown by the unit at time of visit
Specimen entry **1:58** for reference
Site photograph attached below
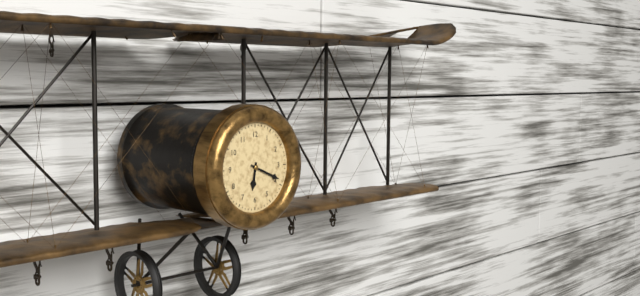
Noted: **6:19**
